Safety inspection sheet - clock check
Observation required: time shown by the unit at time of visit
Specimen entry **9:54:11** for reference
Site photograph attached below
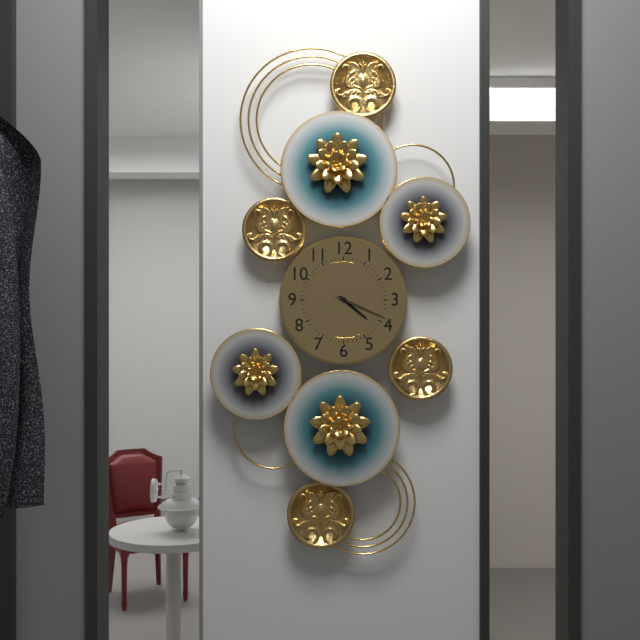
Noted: **4:19:19**
